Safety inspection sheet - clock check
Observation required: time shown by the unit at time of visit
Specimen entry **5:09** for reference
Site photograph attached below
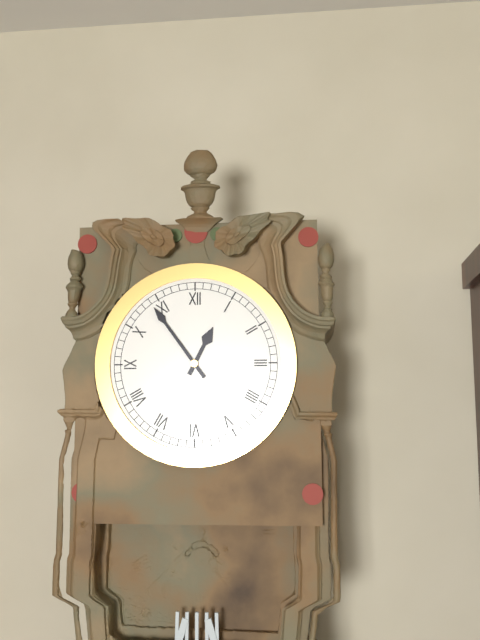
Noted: **12:54**
